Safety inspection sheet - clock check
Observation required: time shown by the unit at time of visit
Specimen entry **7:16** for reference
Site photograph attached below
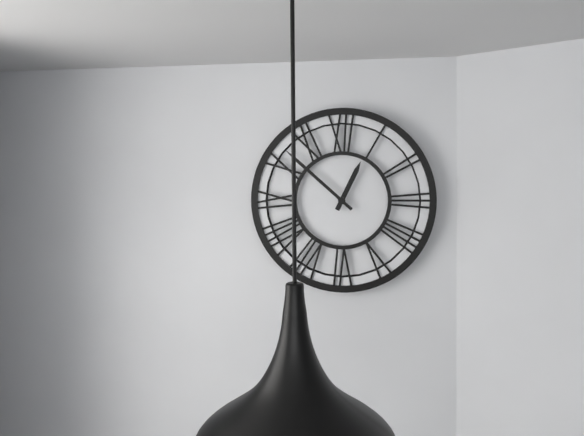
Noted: **12:52**
